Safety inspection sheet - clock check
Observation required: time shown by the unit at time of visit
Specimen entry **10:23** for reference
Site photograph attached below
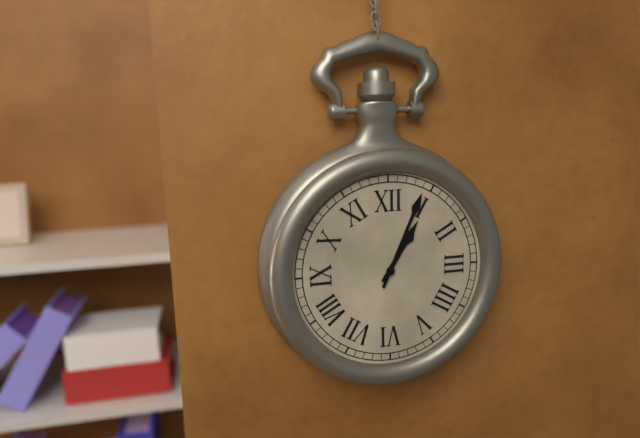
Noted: **1:04**
